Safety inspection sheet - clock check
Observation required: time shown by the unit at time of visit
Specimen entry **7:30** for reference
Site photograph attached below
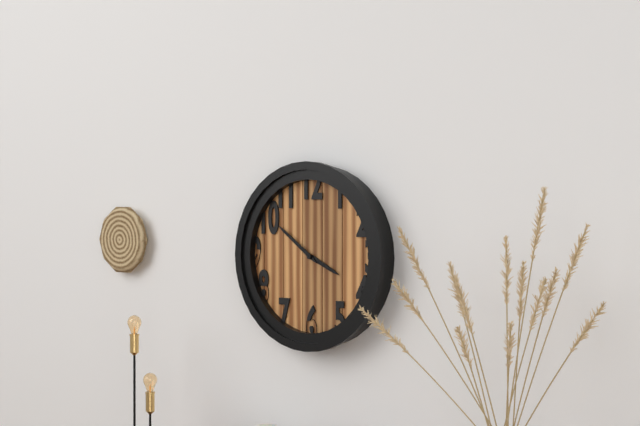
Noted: **3:51**
